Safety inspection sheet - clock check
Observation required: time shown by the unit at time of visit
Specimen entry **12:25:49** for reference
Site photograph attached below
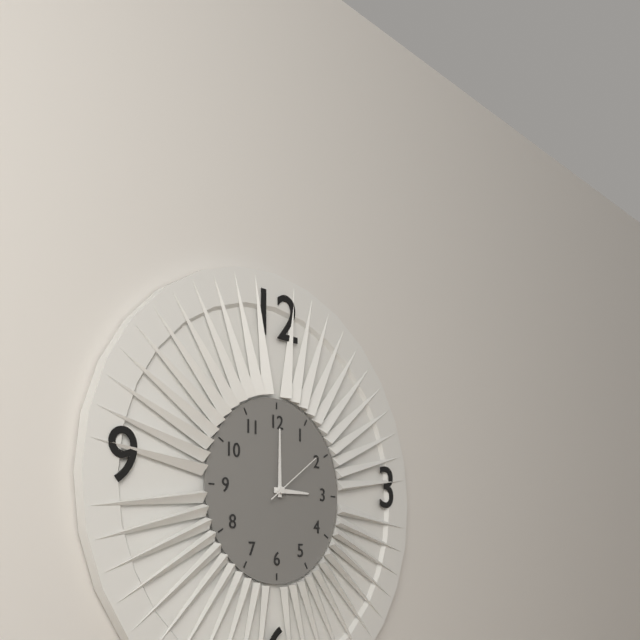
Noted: **3:00:09**
